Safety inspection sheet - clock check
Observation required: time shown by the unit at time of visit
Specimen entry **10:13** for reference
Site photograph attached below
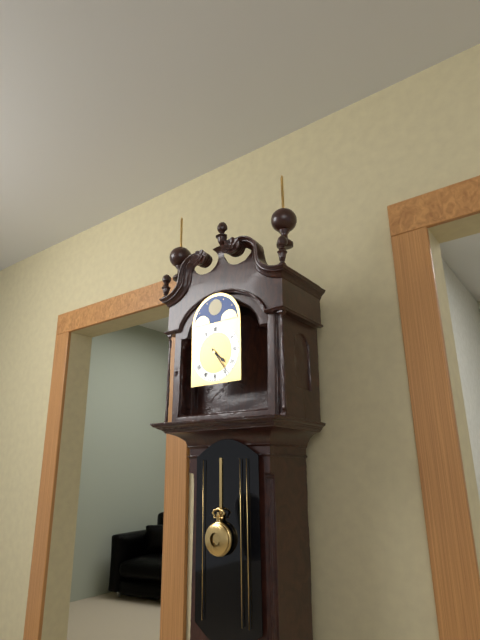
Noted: **4:24**
